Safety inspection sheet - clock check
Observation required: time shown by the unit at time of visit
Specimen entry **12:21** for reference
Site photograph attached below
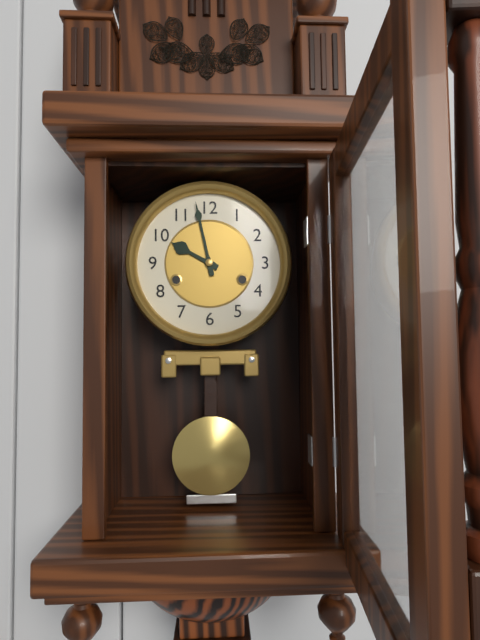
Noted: **9:58**
